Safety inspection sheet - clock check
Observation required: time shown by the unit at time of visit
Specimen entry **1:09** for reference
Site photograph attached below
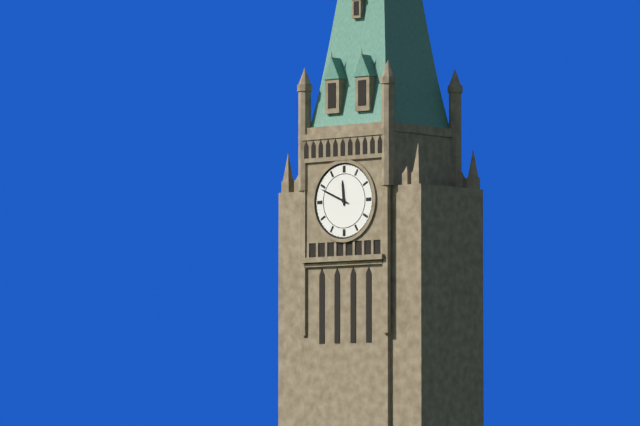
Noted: **11:49**
